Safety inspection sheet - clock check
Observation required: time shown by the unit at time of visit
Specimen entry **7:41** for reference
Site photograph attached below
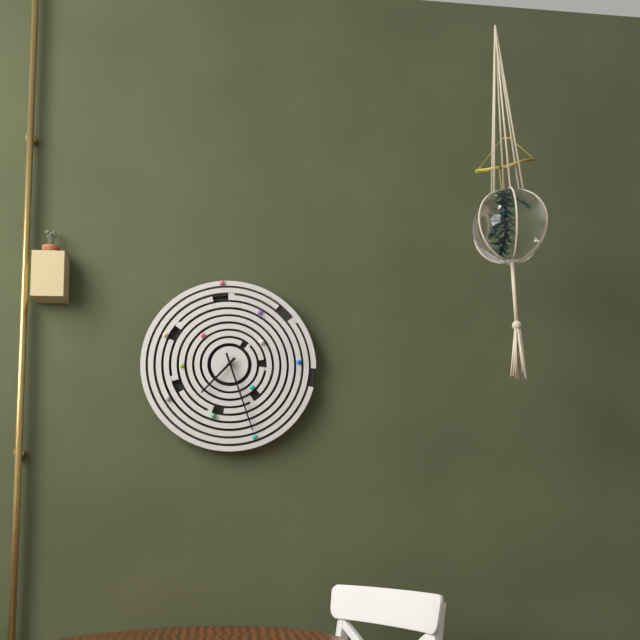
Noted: **7:27**
